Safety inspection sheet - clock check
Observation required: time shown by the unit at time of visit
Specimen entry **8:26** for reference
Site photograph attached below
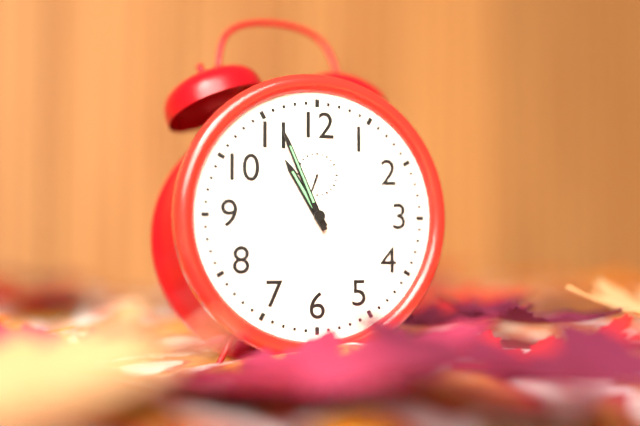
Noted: **10:56**
